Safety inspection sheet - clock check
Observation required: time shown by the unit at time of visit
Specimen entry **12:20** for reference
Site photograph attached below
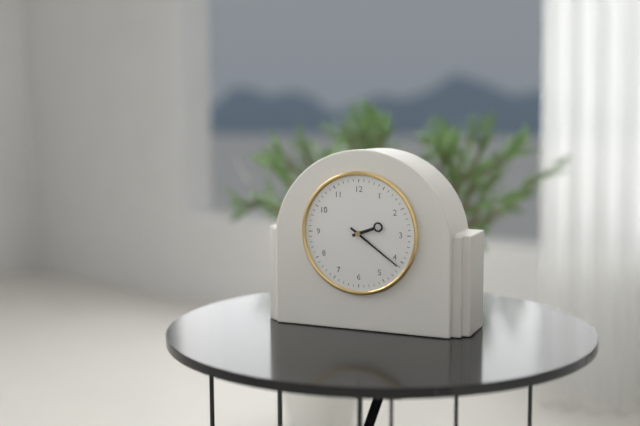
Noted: **2:21**
